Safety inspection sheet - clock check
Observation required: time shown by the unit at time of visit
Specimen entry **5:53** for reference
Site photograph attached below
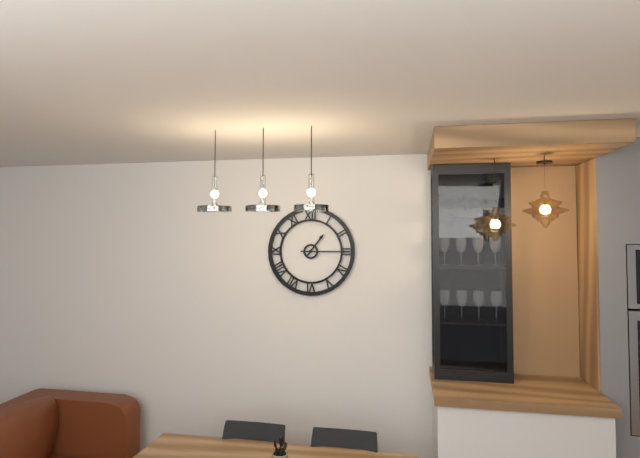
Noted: **1:15**
